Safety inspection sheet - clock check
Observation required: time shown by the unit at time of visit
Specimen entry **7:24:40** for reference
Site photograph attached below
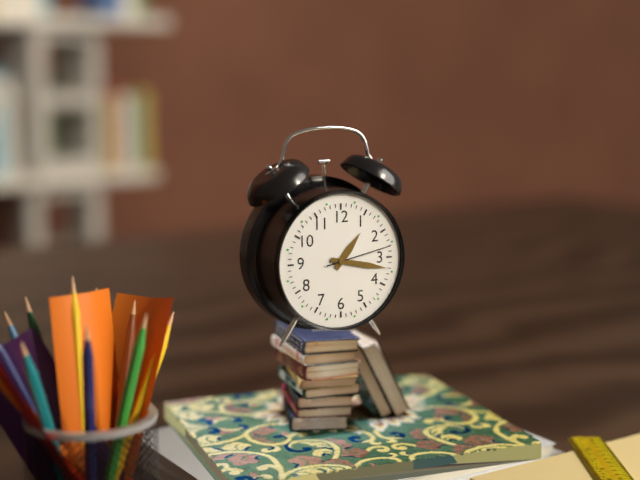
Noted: **1:17:13**
